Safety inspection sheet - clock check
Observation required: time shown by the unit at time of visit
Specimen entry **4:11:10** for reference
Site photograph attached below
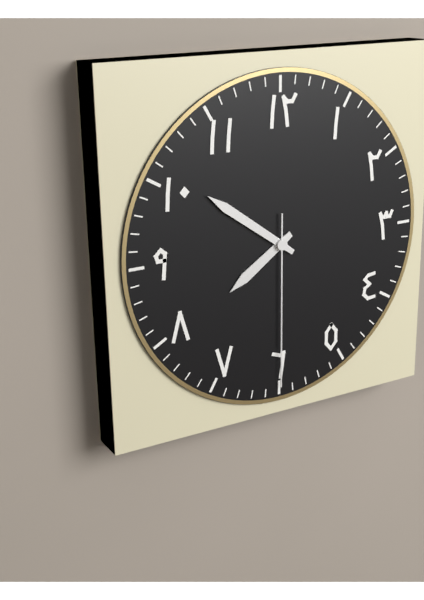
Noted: **7:51:30**
